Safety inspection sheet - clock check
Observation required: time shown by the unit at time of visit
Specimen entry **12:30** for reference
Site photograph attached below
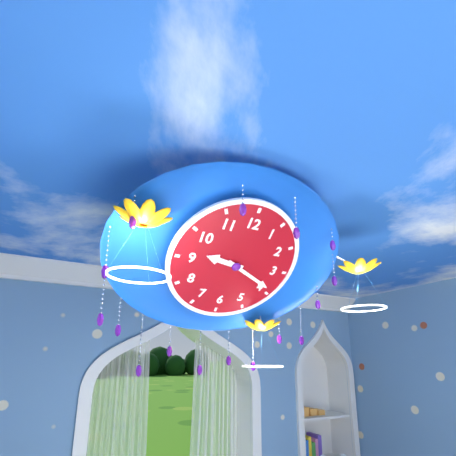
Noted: **9:19**
